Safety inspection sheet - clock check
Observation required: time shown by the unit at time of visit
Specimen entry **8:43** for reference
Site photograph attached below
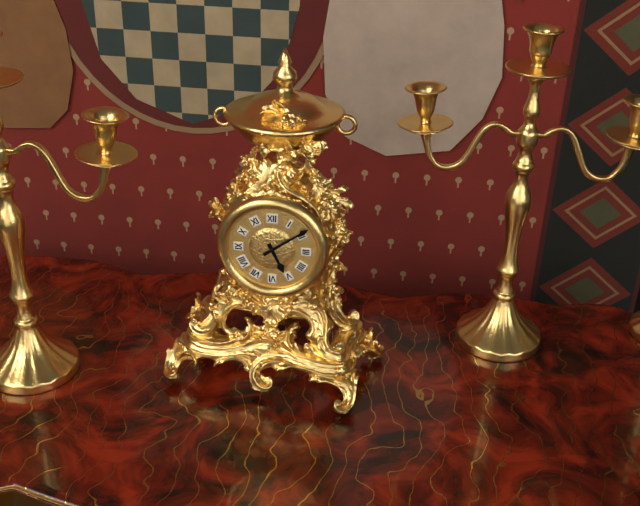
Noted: **5:09**
